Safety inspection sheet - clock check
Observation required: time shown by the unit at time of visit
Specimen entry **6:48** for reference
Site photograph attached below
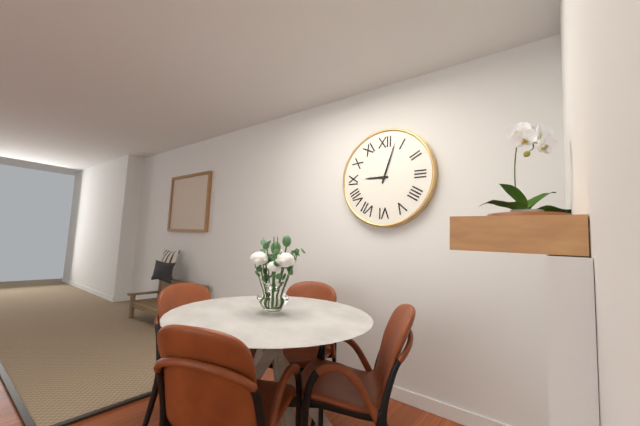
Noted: **9:03**
